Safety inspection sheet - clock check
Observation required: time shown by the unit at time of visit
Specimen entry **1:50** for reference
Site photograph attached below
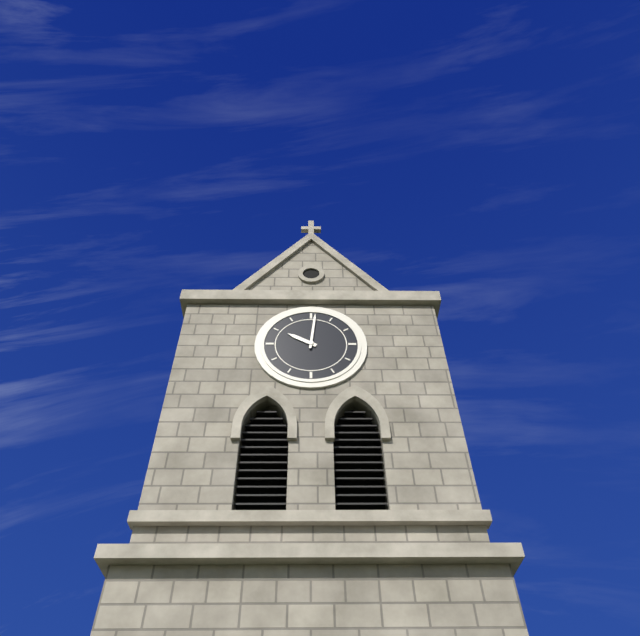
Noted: **10:01**
